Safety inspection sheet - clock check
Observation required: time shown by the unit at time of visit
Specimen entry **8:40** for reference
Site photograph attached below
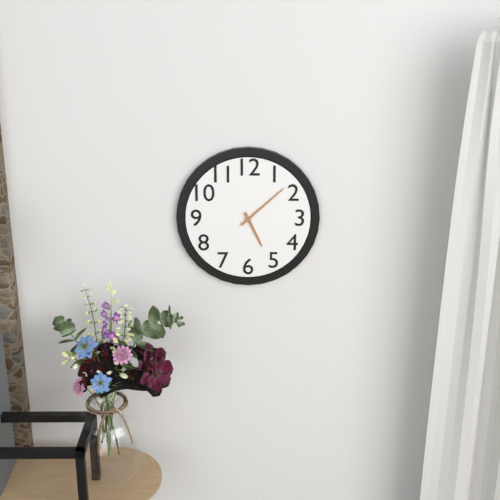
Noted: **5:08**
